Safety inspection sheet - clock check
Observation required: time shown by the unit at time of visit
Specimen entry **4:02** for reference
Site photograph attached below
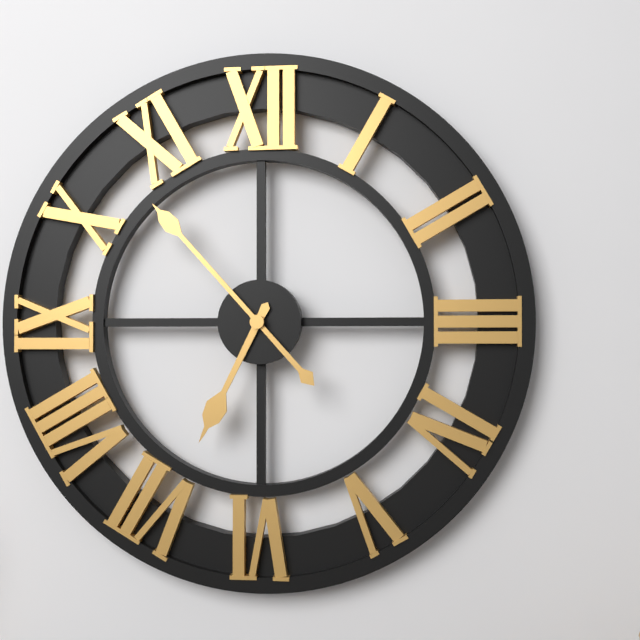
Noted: **6:53**
